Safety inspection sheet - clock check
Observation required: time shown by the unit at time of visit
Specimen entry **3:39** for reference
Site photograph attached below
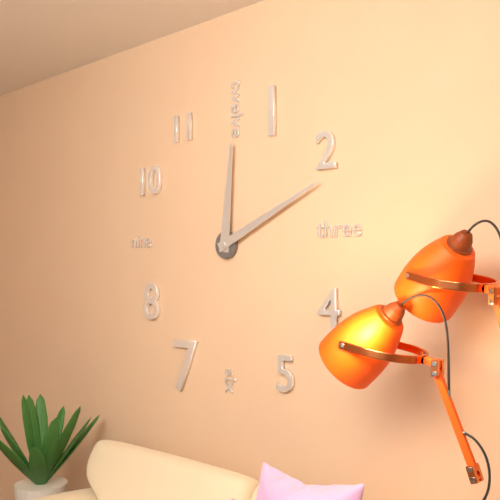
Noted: **12:11**
